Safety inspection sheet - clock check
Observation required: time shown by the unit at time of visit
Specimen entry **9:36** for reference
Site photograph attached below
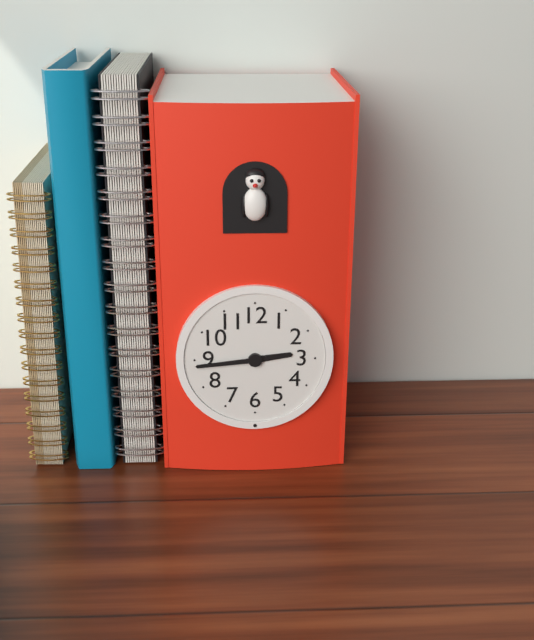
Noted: **2:44**
